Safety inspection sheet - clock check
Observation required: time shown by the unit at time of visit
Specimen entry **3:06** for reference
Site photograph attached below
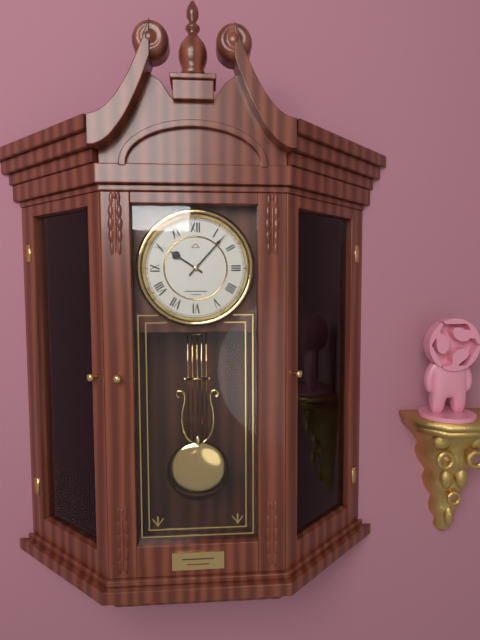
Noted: **10:07**
